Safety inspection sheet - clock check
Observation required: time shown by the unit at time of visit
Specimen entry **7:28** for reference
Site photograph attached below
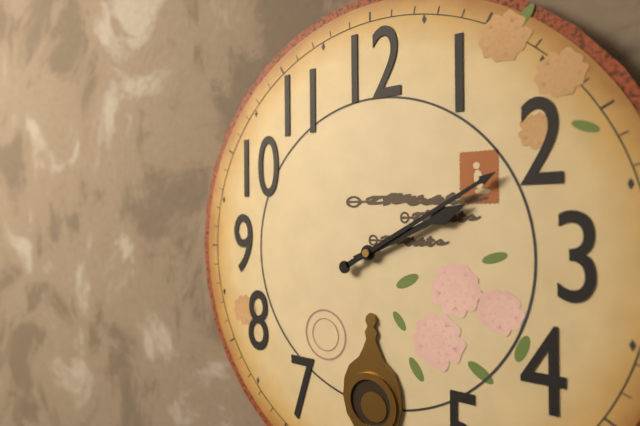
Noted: **2:10**
